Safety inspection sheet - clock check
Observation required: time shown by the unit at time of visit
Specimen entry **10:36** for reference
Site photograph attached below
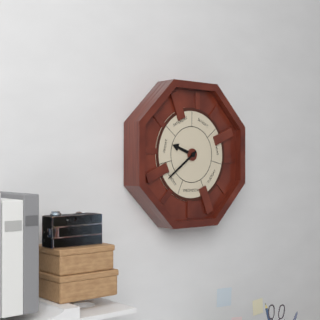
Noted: **9:39**
